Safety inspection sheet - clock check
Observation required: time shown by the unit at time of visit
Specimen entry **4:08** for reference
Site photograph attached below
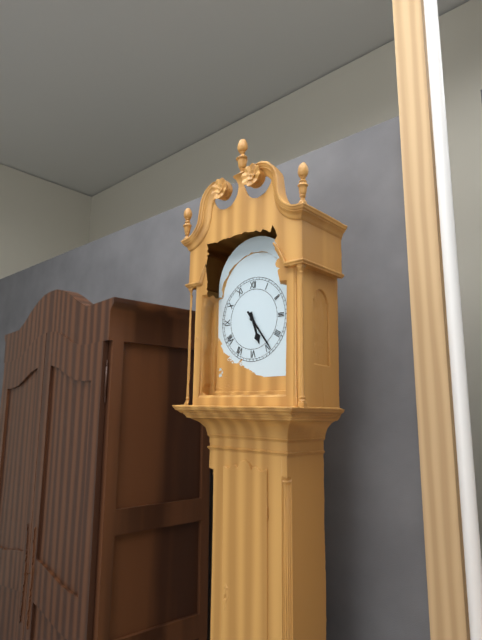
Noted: **5:24**
